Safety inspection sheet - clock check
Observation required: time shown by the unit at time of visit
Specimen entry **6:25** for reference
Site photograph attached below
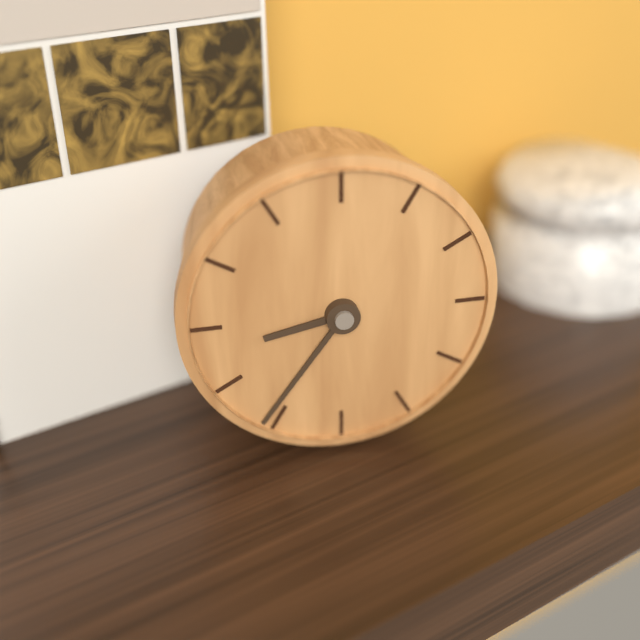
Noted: **8:36**
